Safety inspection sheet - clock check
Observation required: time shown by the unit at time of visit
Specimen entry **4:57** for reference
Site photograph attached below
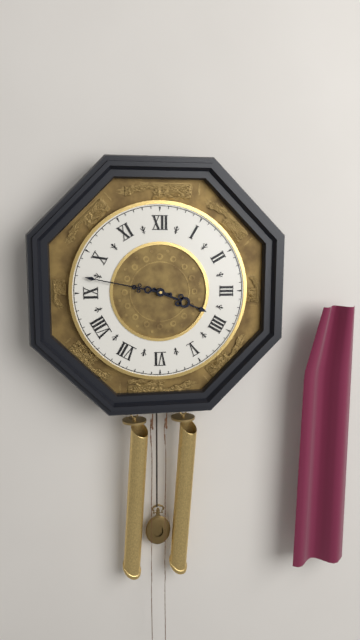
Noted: **3:47**
